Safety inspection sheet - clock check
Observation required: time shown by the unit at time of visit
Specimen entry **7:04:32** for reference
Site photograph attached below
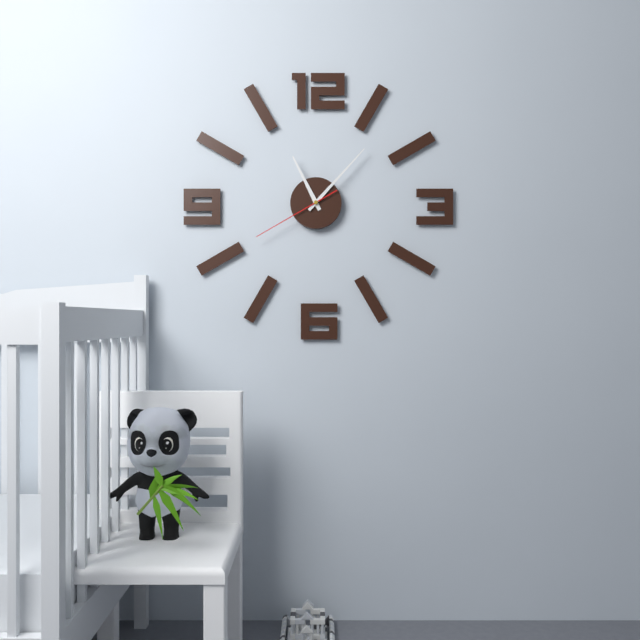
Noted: **11:07:40**
